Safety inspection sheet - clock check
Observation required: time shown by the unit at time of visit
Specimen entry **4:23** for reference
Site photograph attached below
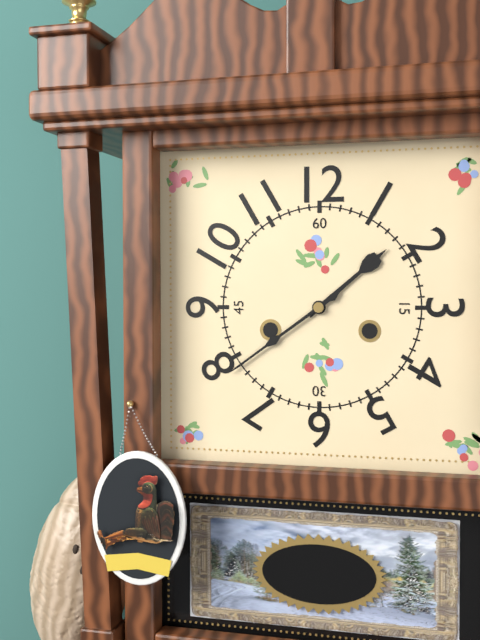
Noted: **1:39**
